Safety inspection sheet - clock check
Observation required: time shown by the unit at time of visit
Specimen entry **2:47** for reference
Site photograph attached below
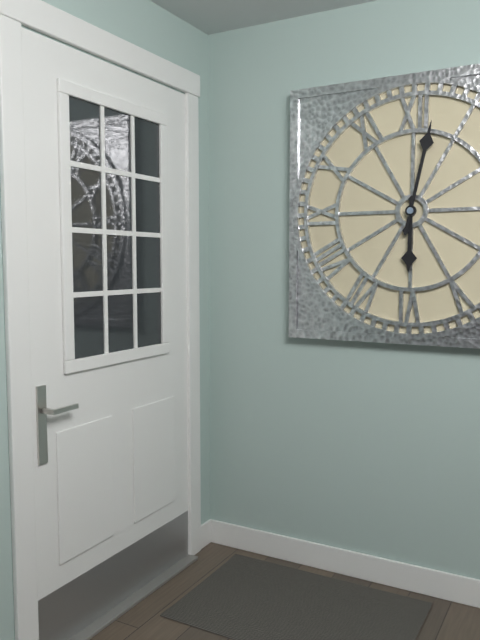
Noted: **6:02**
